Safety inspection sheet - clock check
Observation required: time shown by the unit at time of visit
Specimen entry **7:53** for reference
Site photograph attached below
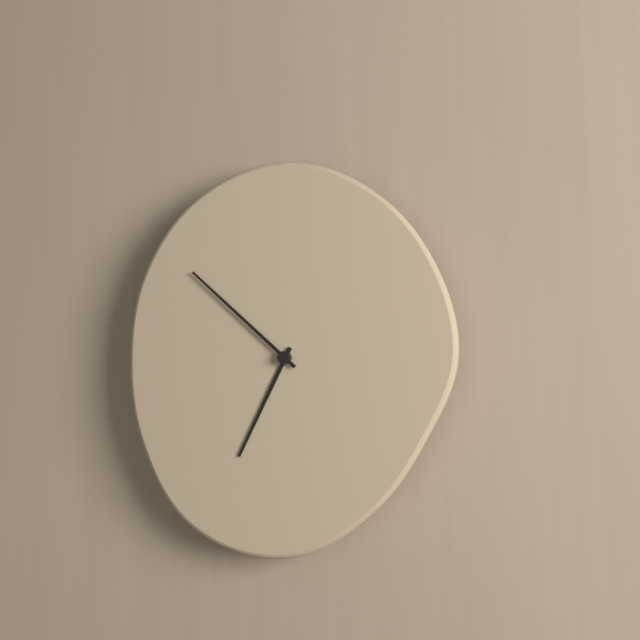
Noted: **6:52**
